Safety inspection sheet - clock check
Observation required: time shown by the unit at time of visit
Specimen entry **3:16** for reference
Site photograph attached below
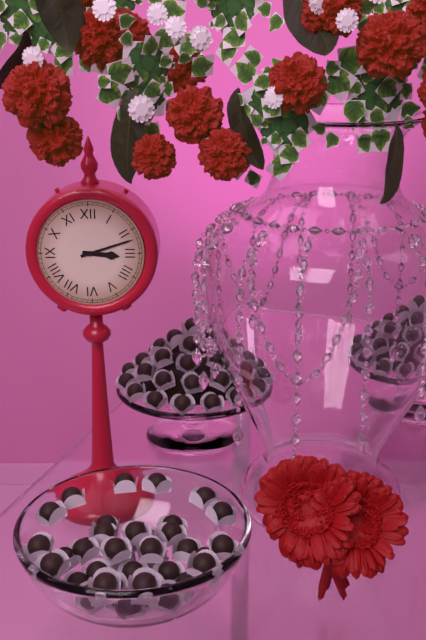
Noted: **3:12**
